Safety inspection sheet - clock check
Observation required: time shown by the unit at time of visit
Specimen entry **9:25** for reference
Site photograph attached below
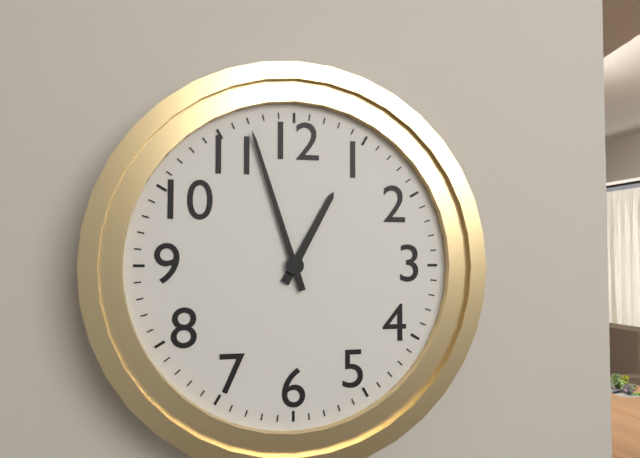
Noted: **12:57**
